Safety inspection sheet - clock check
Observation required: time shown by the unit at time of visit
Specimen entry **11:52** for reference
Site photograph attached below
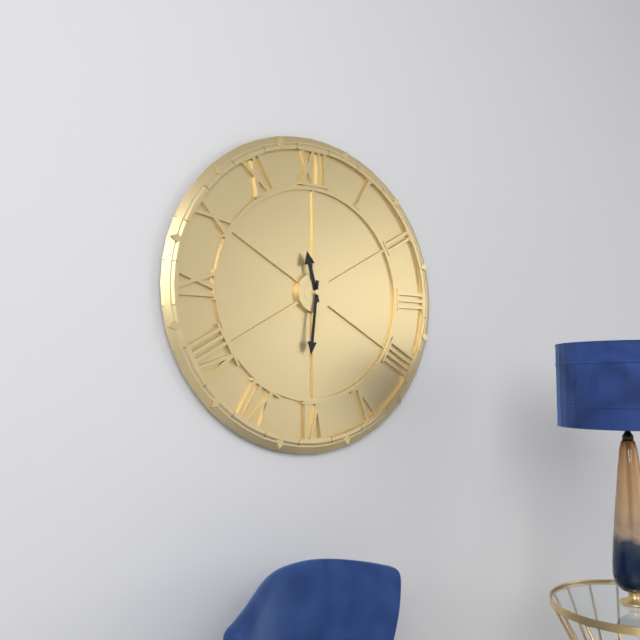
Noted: **11:31**
